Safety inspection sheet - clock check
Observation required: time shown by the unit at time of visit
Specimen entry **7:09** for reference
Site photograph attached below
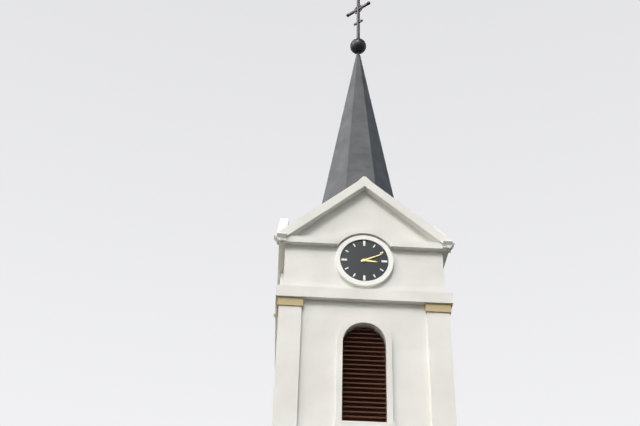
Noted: **3:11**
